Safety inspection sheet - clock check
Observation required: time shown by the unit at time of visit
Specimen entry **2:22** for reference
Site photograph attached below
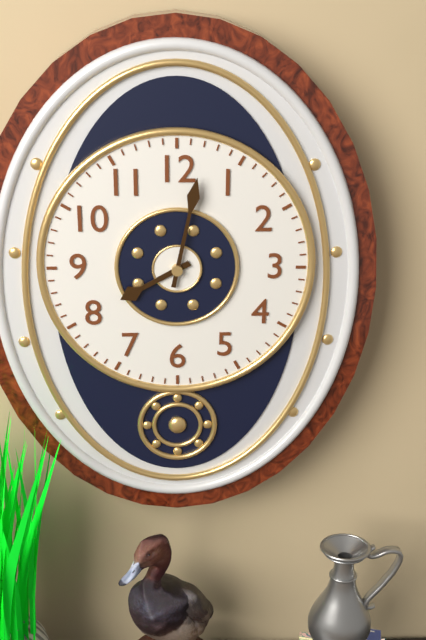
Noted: **8:02**
